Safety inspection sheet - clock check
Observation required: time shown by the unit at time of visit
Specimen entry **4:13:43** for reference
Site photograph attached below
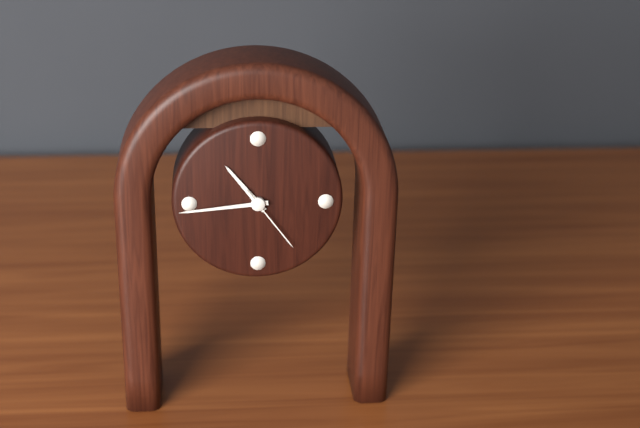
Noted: **10:44:24**
